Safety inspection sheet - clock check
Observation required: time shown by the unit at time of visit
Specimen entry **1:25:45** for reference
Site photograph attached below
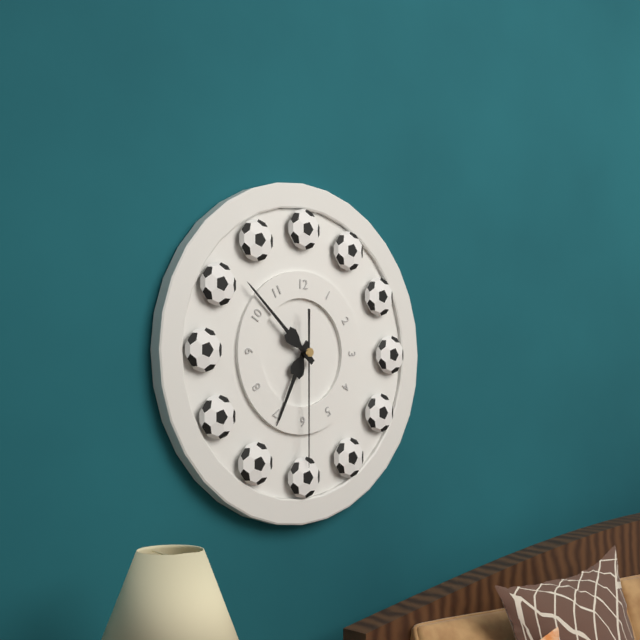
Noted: **6:52:30**
